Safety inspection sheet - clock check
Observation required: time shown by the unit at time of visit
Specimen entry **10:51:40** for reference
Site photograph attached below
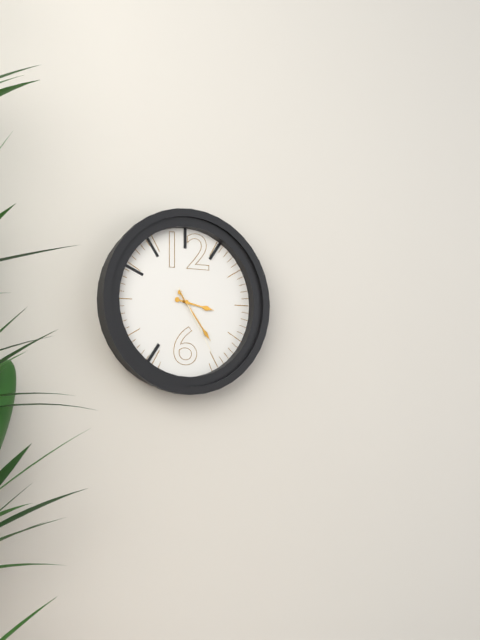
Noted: **3:24:25**
